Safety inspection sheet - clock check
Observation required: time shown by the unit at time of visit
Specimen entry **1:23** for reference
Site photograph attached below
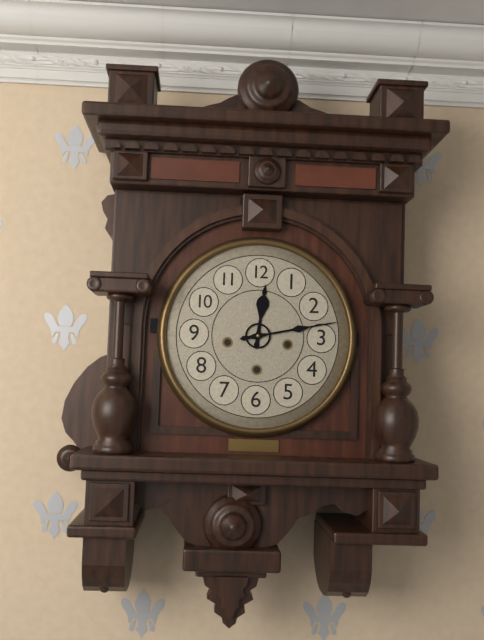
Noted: **12:13**
